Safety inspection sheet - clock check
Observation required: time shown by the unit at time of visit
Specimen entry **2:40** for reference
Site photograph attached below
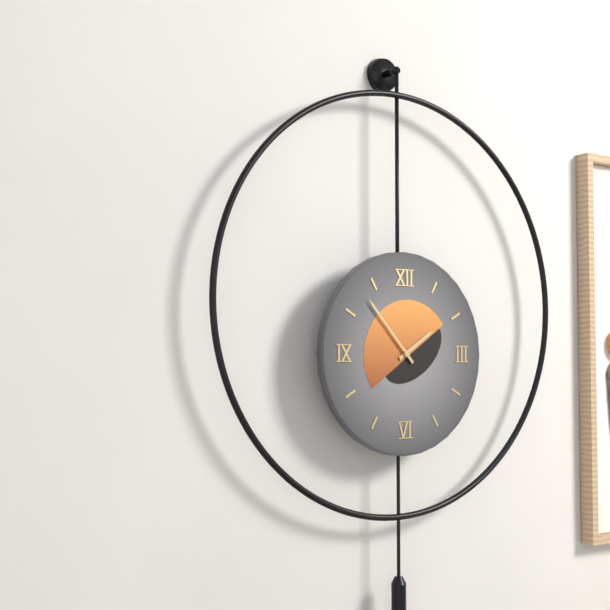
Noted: **1:53**
